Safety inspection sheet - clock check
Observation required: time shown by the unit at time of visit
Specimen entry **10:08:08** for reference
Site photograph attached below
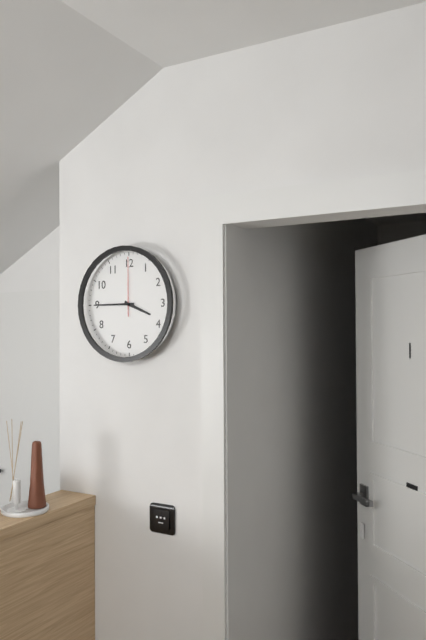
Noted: **3:45:00**
